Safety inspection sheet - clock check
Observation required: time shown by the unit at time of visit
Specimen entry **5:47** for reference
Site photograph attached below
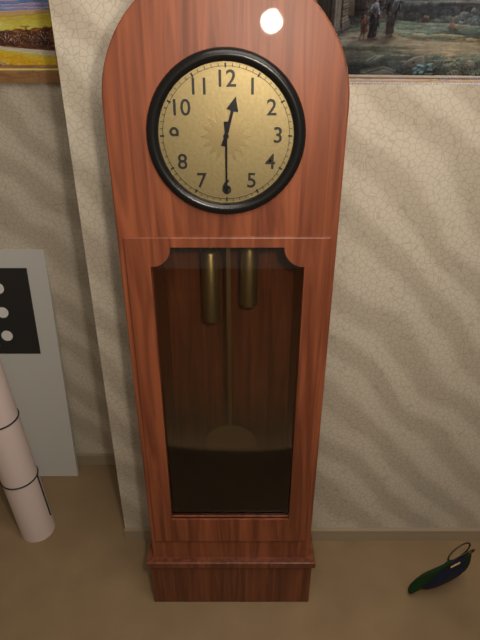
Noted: **12:30**
